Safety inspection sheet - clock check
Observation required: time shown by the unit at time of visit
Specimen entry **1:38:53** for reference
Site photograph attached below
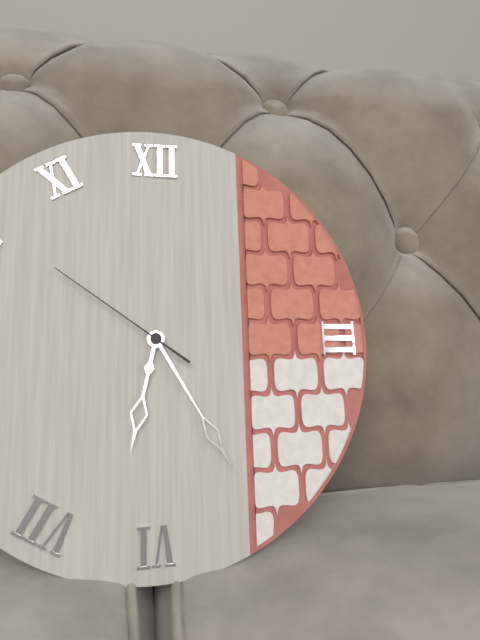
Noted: **6:25:51**
